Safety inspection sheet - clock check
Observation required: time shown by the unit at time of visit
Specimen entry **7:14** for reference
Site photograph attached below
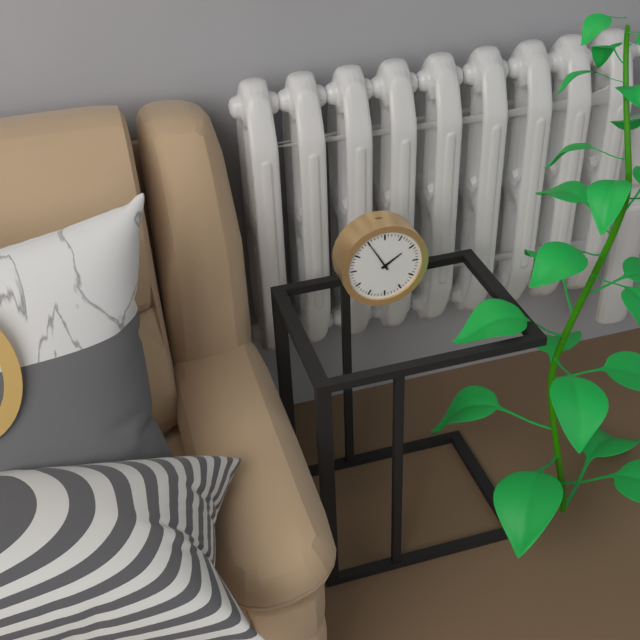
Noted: **1:55**
